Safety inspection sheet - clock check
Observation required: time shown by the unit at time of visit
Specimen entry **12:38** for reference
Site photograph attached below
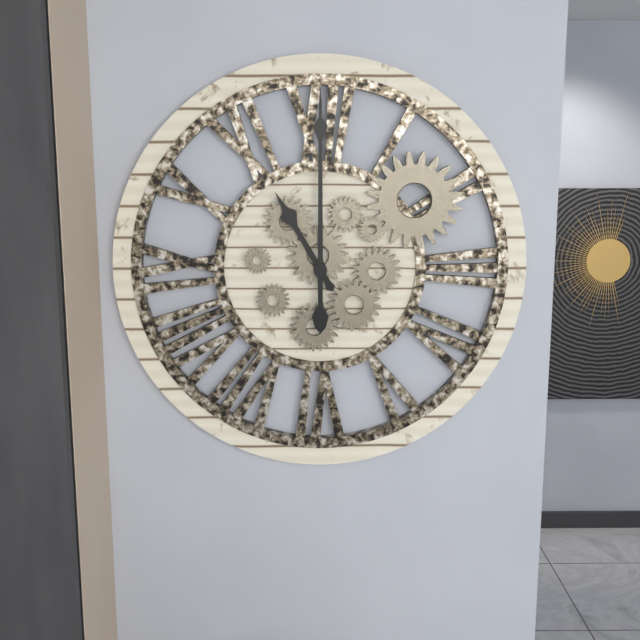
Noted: **11:00**
